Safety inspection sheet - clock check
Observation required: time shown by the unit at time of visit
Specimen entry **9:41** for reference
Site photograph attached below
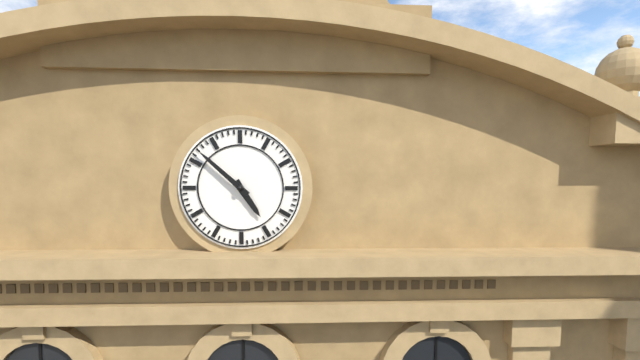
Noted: **4:52**
